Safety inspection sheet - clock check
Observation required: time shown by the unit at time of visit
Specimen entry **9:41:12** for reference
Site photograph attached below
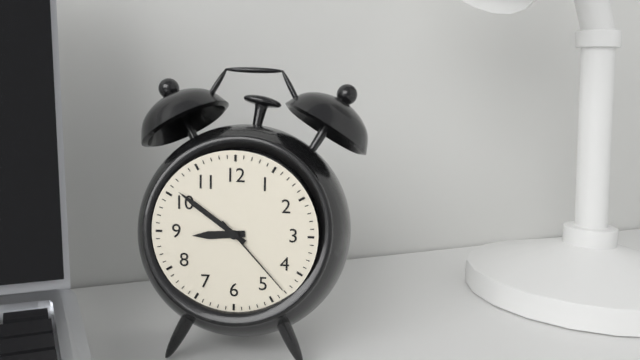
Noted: **8:51:23**
